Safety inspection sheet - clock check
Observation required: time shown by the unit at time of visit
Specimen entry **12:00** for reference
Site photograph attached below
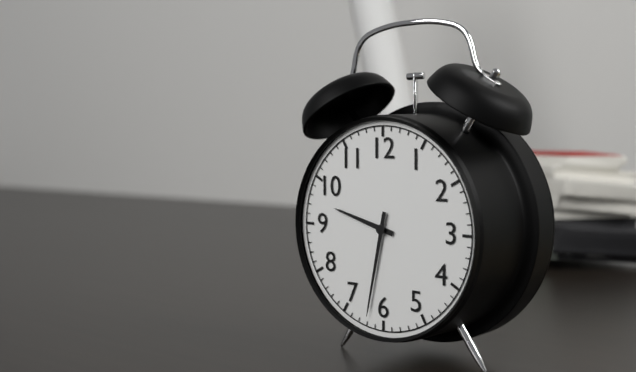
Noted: **9:32**
